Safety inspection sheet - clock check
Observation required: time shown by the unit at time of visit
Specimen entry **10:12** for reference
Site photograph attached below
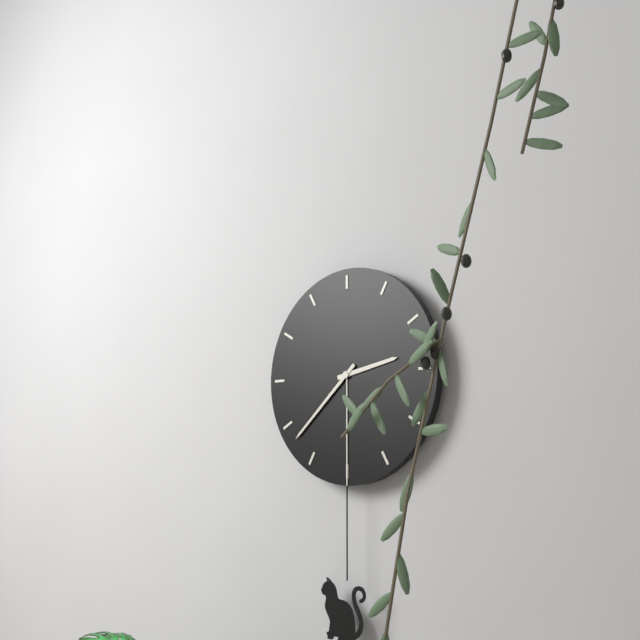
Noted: **2:38**
